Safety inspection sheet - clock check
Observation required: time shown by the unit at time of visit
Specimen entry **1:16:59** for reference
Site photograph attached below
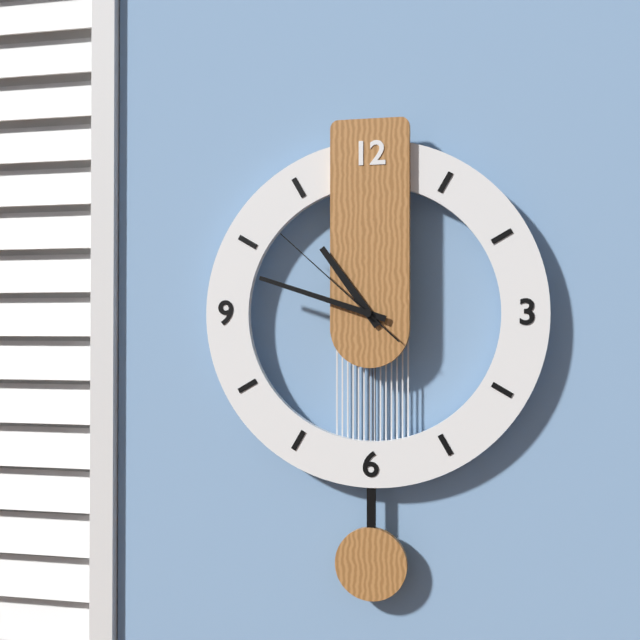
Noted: **10:48:52**
